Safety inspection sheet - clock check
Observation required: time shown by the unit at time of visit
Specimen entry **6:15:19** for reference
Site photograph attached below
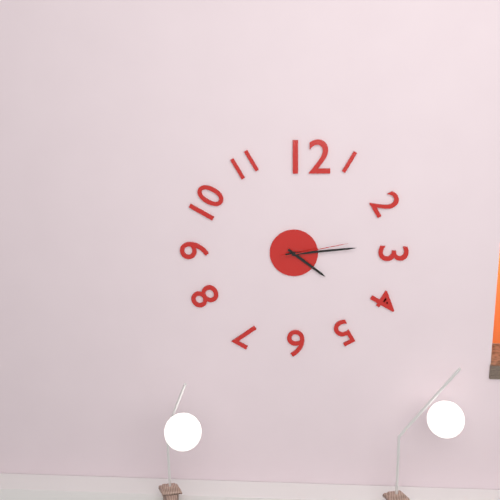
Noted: **4:14:13**
